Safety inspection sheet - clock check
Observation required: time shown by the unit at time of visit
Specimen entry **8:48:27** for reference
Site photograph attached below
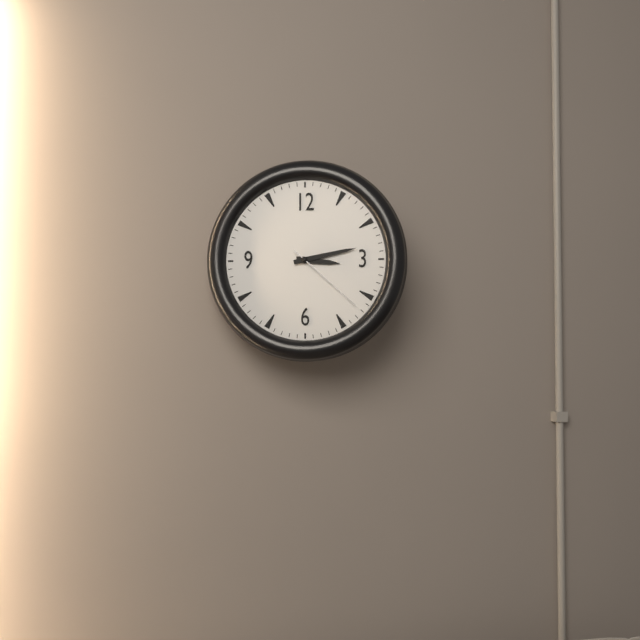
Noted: **3:13:22**
